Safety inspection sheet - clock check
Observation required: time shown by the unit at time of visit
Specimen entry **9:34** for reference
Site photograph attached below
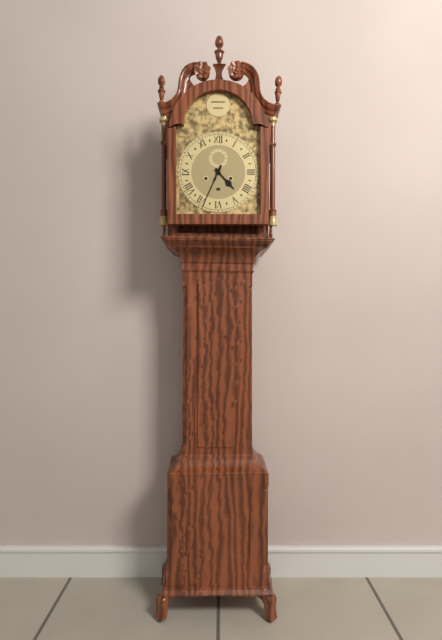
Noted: **4:34**
